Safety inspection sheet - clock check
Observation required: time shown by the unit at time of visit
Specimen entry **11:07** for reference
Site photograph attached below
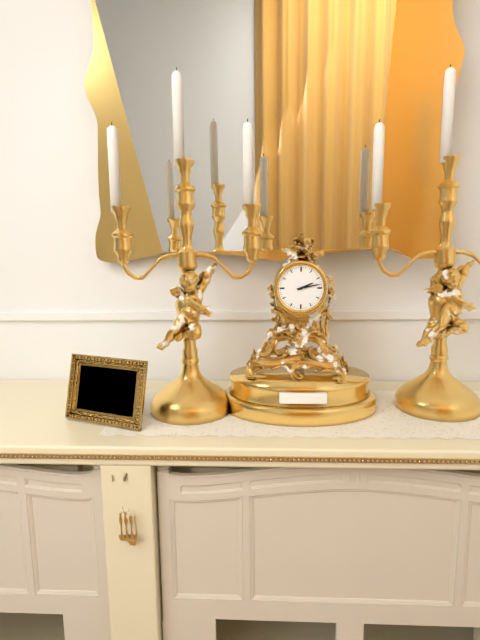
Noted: **2:13**
